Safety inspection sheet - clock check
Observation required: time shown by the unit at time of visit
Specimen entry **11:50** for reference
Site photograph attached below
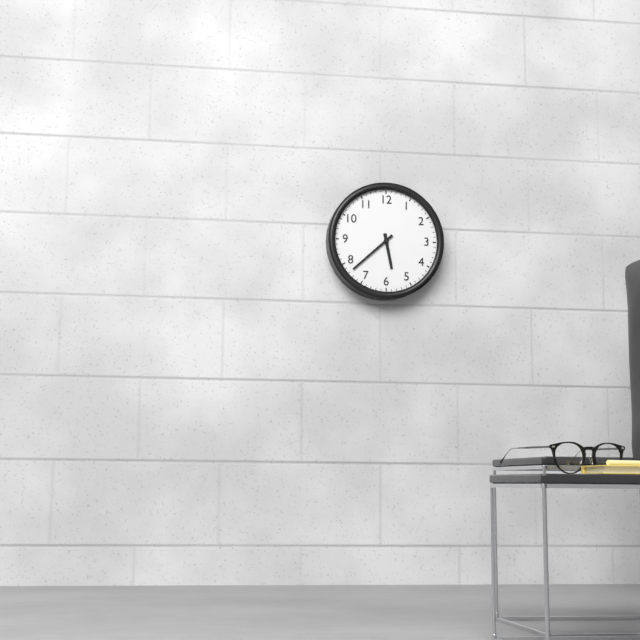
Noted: **5:38**
